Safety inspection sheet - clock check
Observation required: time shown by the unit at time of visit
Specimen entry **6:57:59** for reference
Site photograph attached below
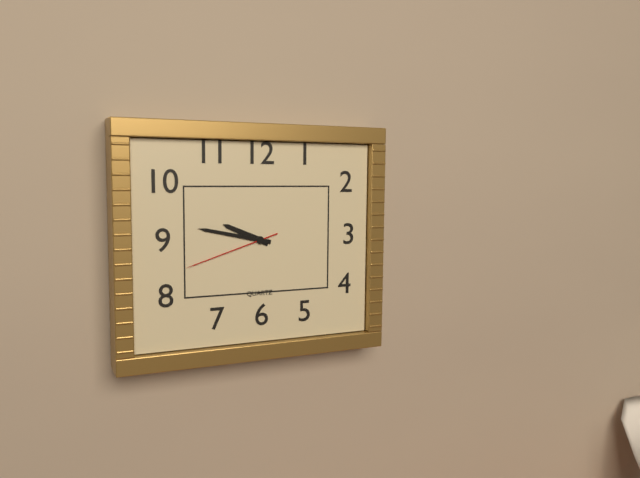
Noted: **9:47:42**
